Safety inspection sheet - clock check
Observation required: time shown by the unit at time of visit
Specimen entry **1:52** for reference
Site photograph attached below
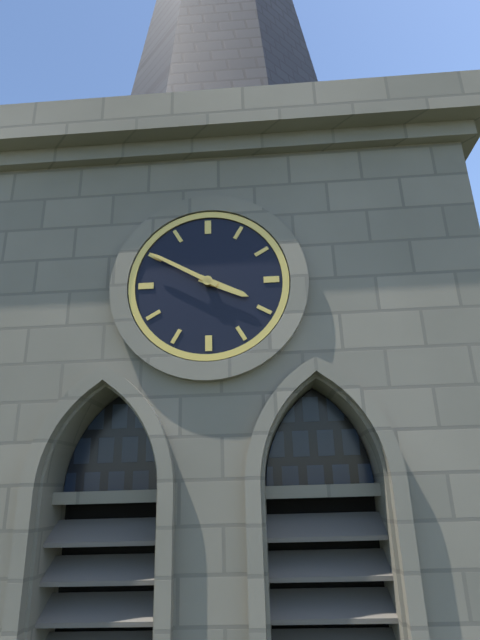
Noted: **3:50**
